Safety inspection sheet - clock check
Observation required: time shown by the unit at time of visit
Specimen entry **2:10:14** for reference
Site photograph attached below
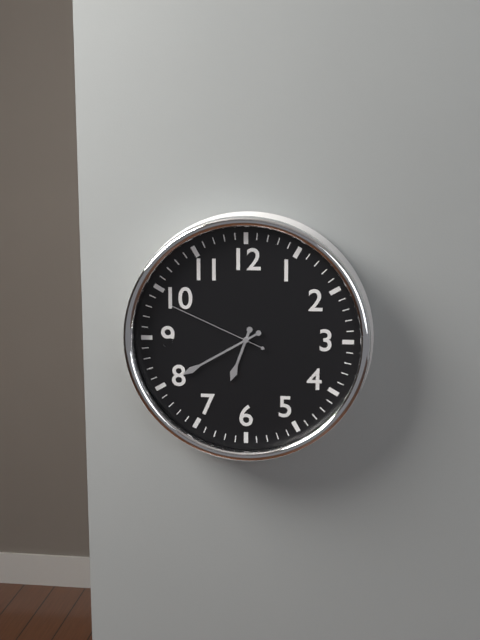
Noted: **6:40:49**
